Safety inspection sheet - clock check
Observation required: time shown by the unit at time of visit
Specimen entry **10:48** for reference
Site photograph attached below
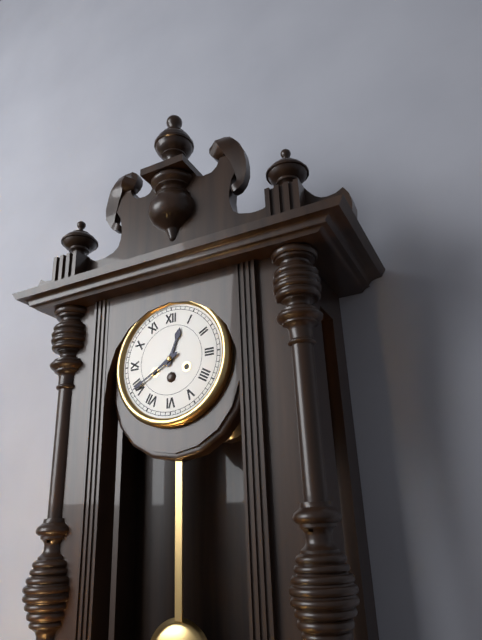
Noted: **12:40**
